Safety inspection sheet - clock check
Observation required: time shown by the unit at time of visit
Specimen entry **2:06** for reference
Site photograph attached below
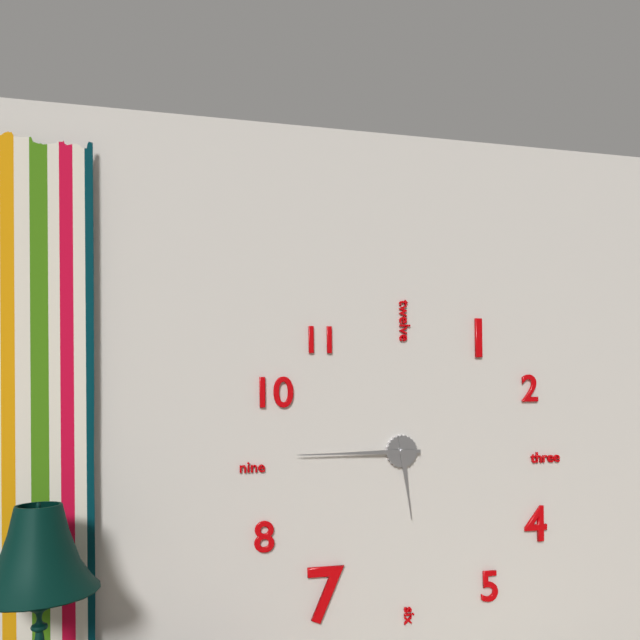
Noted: **5:45**
